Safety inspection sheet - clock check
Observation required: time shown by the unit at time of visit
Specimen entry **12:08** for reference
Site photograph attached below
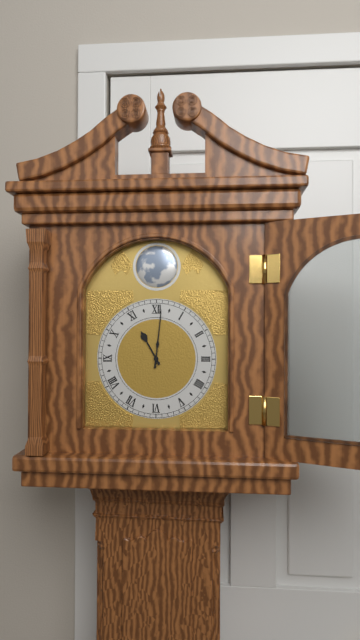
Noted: **11:01**
